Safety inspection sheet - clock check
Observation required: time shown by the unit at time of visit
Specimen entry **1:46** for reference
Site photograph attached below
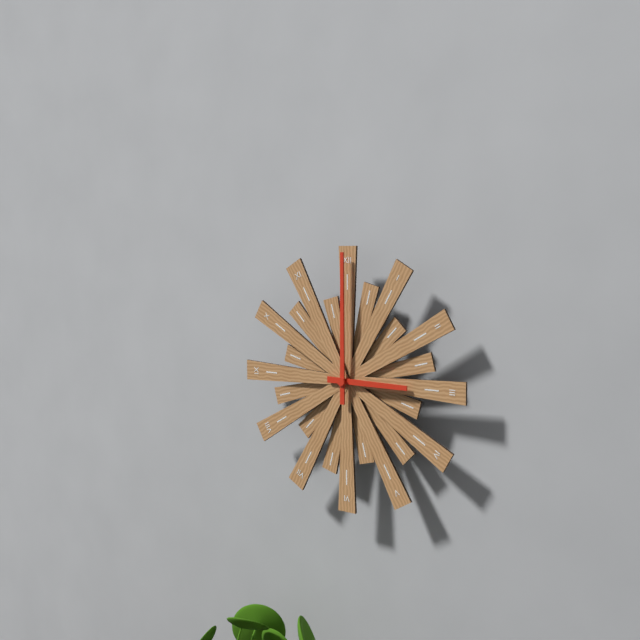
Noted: **3:00**
